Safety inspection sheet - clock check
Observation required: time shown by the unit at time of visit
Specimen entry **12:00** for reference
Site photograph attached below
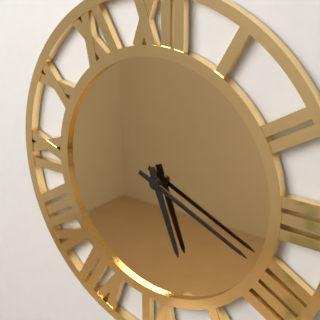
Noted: **5:19**
